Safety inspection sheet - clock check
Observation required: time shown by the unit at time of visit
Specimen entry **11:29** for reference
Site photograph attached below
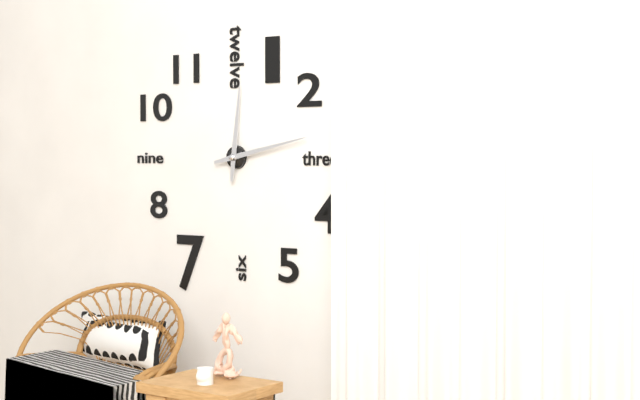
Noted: **12:13**
